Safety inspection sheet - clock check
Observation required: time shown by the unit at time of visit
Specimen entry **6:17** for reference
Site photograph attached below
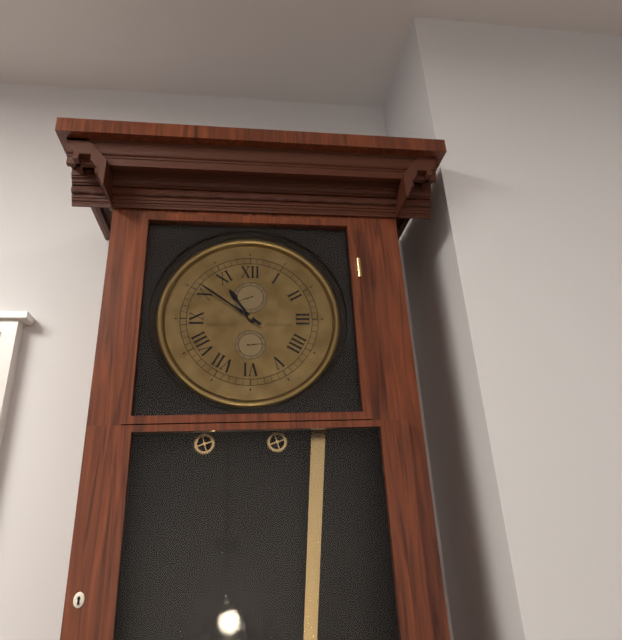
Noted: **10:51**
